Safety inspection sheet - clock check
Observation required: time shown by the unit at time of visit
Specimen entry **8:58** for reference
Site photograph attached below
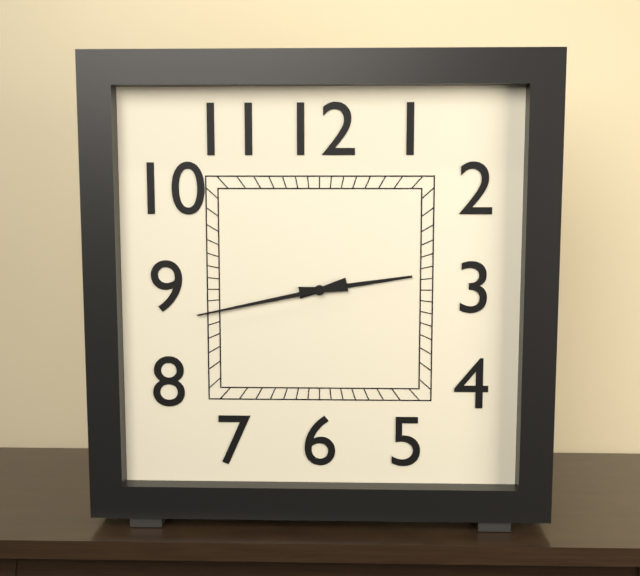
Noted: **2:43**
